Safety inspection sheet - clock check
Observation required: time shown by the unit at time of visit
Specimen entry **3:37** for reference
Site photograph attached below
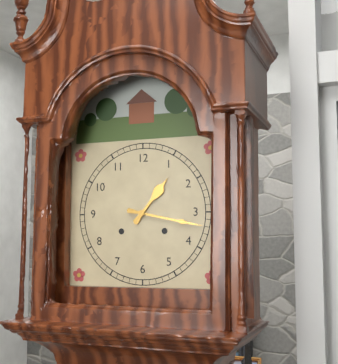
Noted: **1:17**
